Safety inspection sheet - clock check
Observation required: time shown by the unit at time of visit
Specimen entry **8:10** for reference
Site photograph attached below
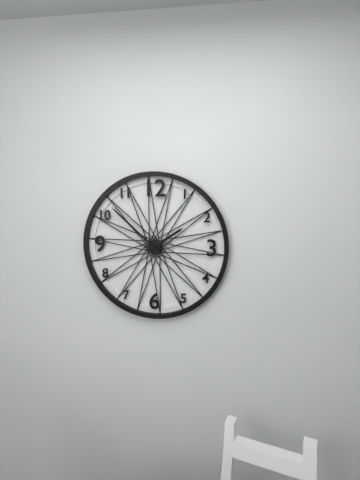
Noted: **1:52**
